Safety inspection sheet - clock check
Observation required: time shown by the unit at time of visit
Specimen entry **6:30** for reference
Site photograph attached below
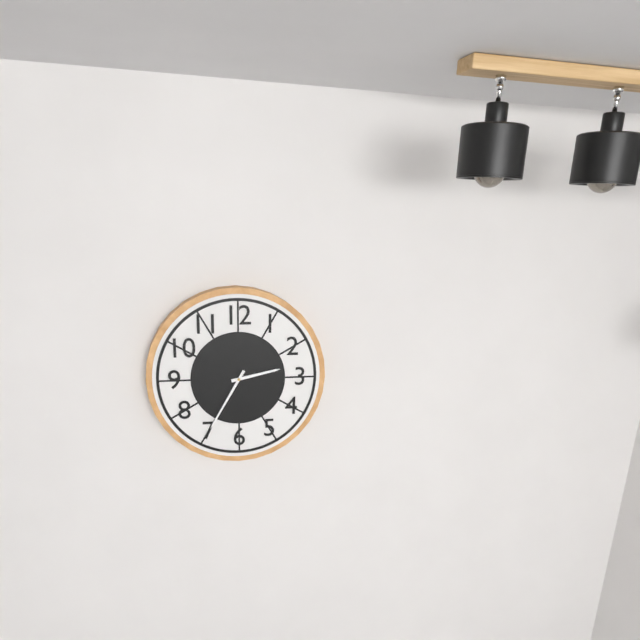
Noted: **2:35**
